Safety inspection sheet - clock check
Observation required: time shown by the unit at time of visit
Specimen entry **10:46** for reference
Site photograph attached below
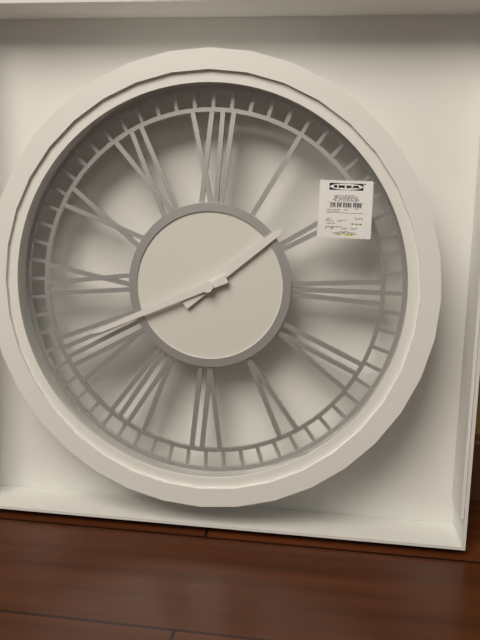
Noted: **1:41**
